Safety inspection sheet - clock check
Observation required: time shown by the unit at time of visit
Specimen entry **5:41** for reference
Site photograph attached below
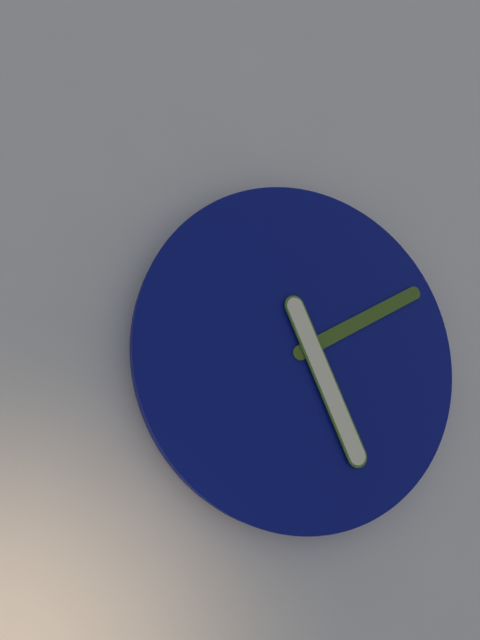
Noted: **5:10**
